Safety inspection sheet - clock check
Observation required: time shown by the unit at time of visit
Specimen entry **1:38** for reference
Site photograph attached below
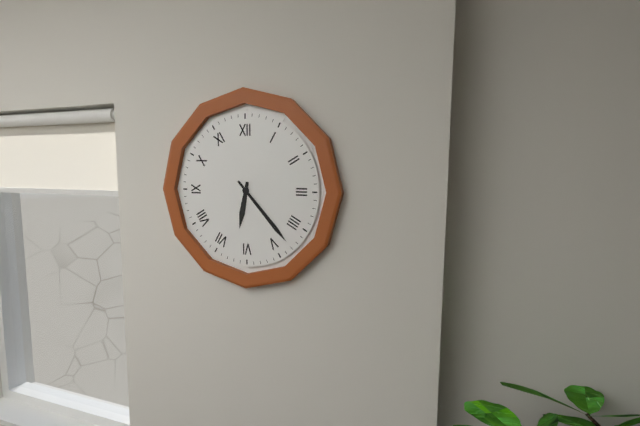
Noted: **6:23**
